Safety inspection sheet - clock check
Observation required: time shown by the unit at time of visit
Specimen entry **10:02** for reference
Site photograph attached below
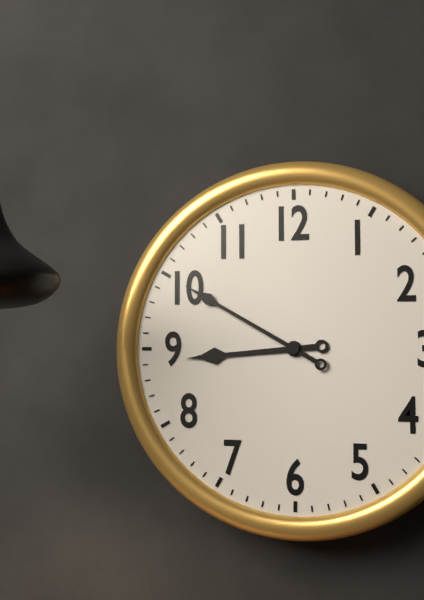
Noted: **8:50**
